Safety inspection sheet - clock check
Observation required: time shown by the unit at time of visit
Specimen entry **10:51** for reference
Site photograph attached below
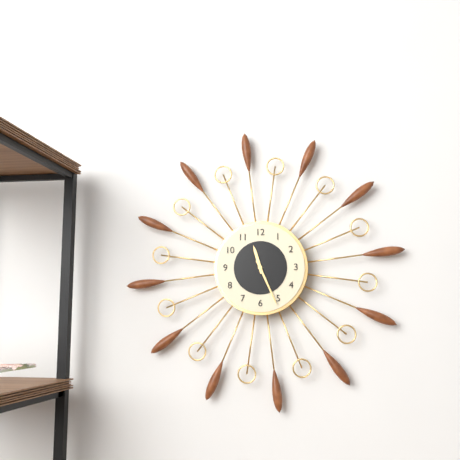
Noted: **11:26**
